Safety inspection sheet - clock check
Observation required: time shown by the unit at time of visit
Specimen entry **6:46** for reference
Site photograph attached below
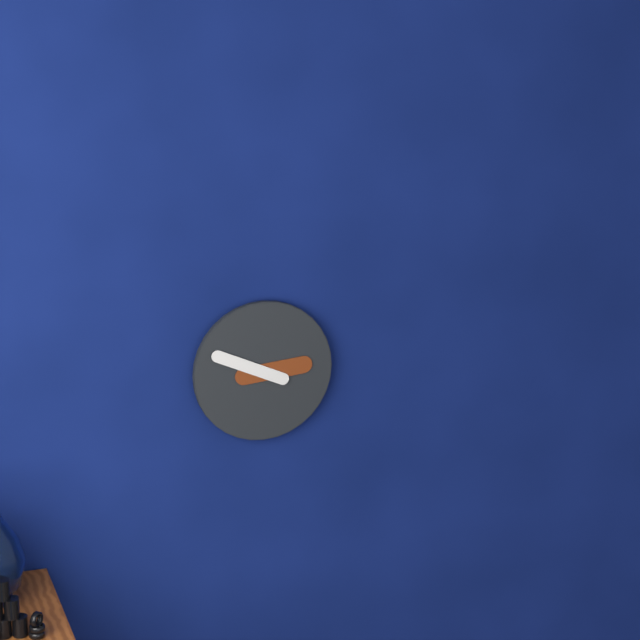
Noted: **2:49**
